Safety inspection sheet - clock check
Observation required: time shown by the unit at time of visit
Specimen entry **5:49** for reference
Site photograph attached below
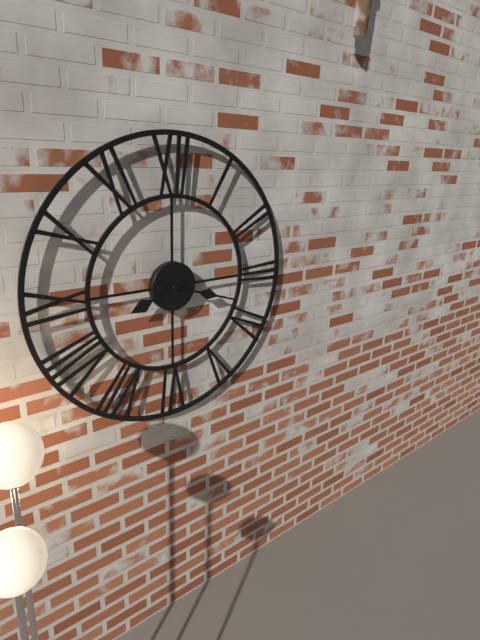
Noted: **8:18**
